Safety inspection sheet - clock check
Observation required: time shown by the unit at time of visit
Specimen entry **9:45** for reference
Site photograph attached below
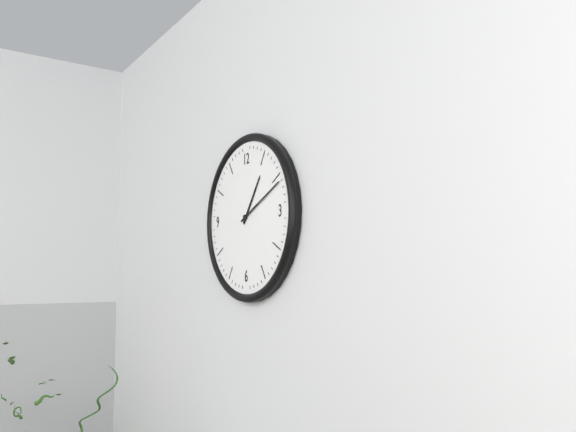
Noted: **1:11**
